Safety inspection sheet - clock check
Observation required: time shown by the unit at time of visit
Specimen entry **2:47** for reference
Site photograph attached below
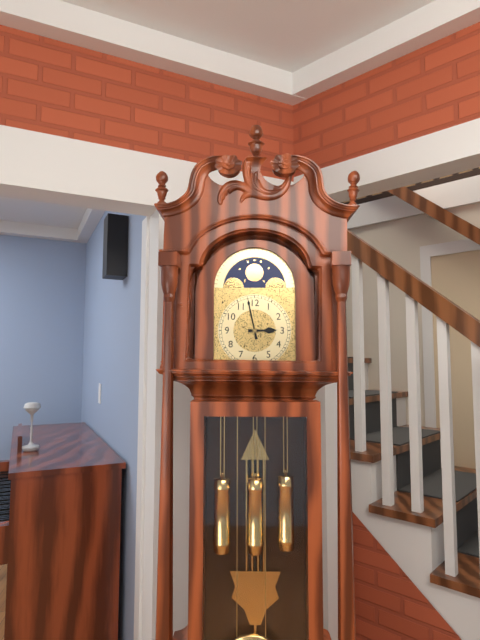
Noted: **2:58**
